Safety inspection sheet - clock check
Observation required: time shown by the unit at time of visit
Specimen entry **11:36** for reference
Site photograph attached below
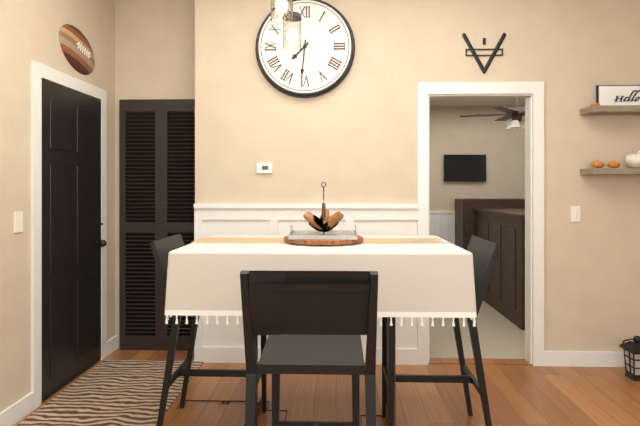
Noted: **7:31**
